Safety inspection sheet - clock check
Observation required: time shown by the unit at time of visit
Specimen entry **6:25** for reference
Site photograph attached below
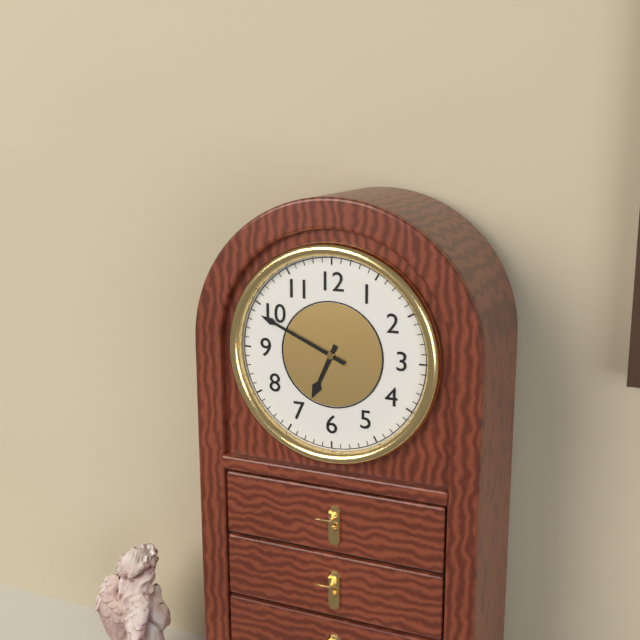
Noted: **6:49**
